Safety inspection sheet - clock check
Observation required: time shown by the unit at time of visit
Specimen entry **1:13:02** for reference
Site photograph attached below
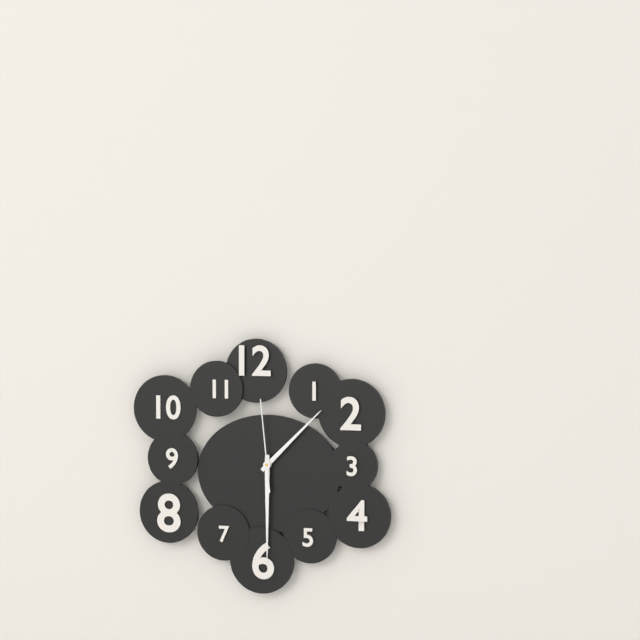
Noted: **1:30:59**
